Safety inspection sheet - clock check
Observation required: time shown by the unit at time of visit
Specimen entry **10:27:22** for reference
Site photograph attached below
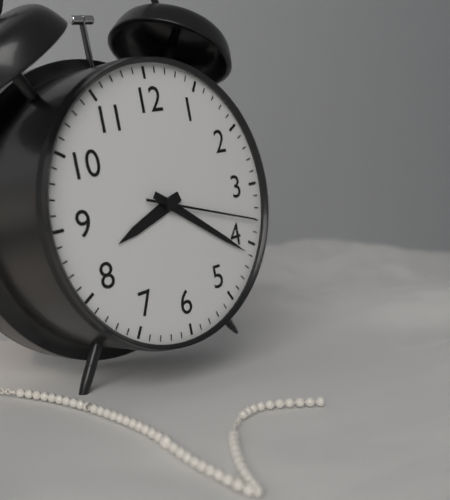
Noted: **8:21:18**
